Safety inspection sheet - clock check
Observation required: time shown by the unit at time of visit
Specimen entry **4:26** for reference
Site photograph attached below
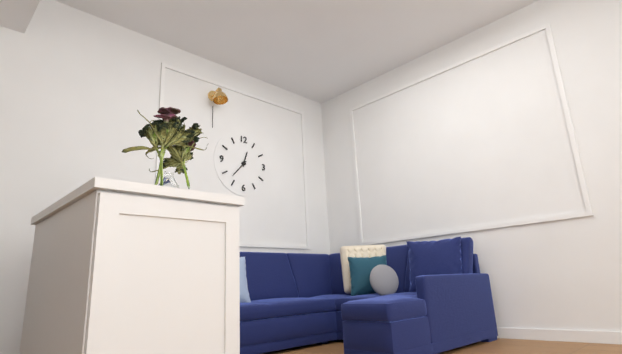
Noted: **12:37**
